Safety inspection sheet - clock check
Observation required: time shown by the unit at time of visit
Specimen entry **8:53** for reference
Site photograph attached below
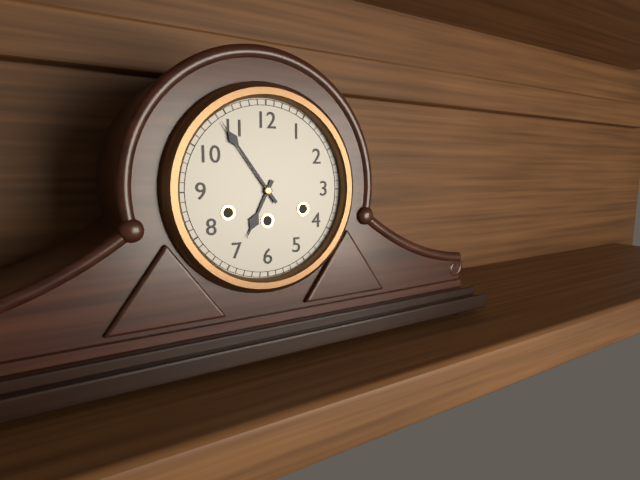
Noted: **6:54**
